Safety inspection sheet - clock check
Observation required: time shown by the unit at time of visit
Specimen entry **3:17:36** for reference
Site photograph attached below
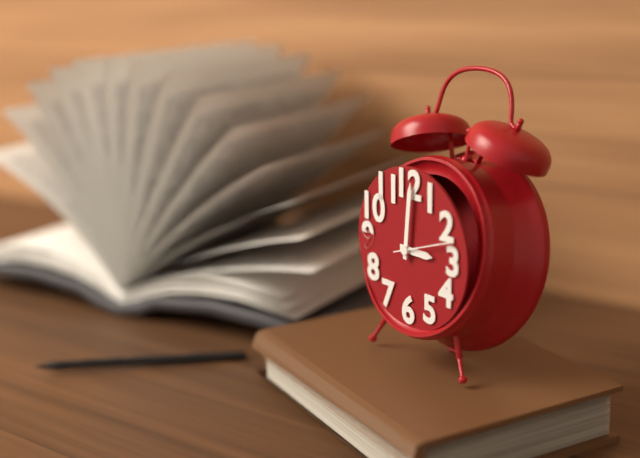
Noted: **3:01:12**
